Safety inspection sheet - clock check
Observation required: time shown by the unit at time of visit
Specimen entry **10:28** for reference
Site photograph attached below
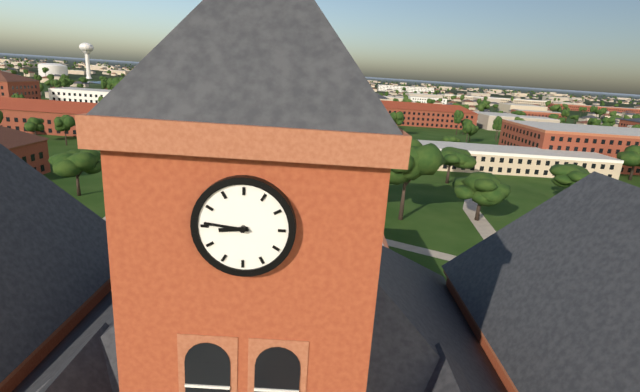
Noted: **8:46**
